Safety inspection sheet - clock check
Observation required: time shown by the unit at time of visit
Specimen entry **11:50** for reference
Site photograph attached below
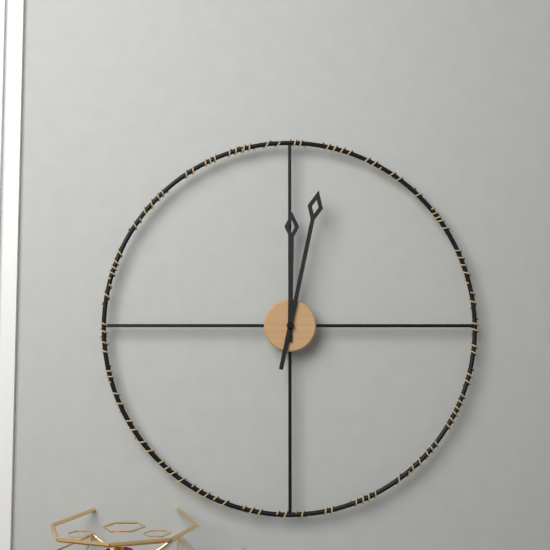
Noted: **12:02**
